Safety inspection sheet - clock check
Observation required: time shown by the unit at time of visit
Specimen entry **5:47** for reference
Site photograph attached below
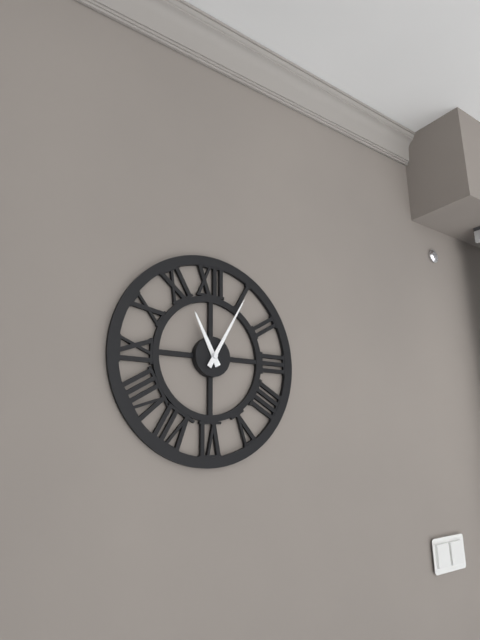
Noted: **11:05**
